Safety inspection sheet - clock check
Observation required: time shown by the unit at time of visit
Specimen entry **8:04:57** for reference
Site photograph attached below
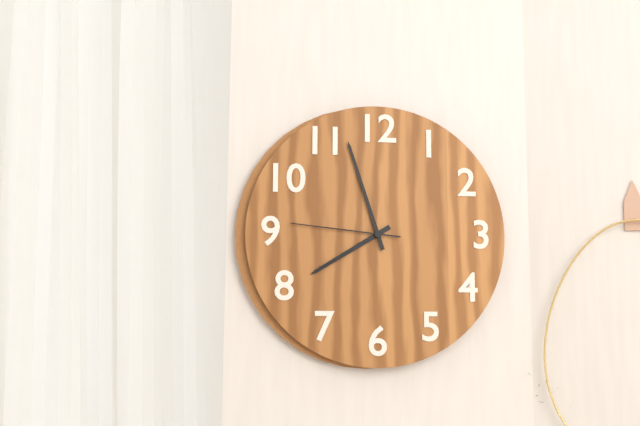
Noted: **7:57:46**
